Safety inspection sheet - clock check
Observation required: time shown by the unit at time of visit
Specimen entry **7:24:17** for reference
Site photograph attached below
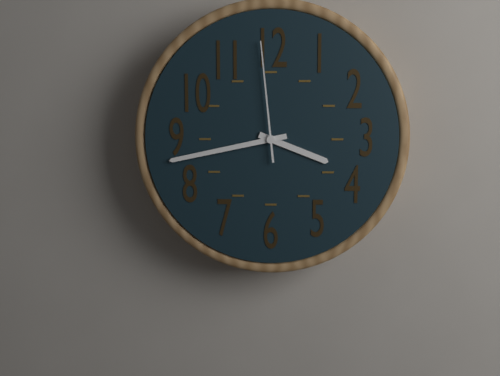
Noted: **3:43:59**
